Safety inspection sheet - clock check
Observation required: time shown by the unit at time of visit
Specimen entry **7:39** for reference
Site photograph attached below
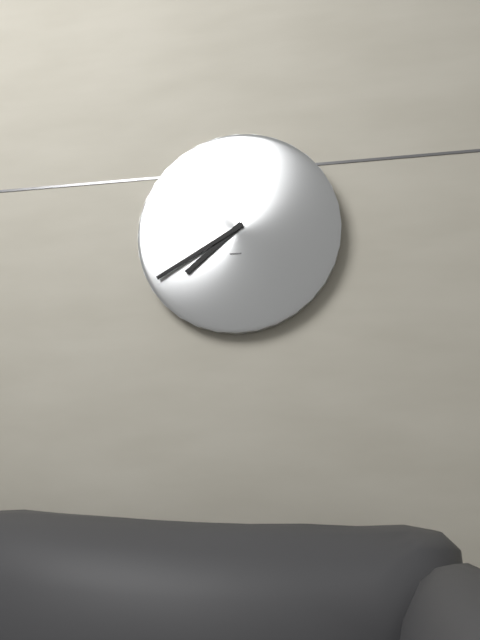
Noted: **7:40**
